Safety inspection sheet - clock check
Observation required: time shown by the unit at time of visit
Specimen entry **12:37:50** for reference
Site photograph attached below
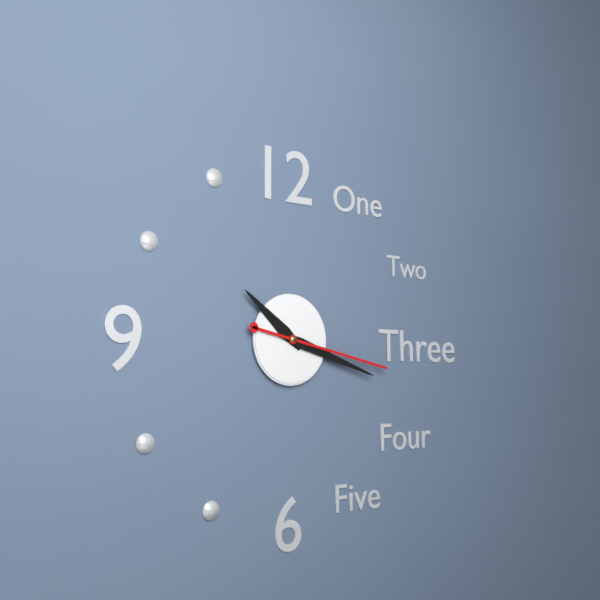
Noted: **10:18:17**
